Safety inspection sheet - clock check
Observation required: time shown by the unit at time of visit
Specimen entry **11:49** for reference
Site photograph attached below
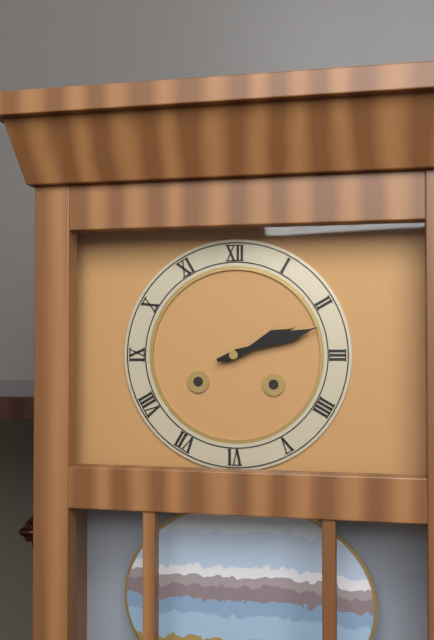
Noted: **2:12**
